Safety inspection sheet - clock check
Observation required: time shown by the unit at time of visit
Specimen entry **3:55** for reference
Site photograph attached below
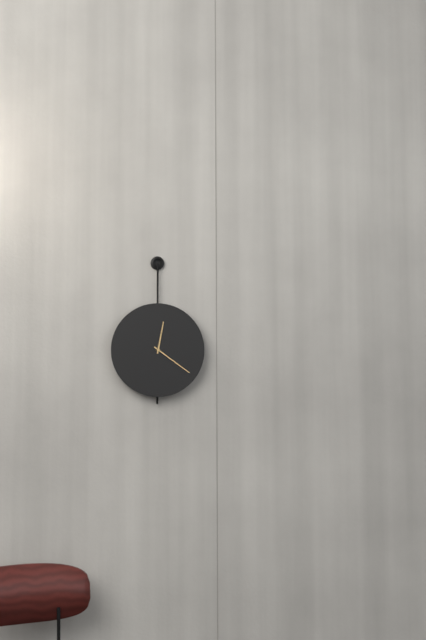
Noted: **12:21**
